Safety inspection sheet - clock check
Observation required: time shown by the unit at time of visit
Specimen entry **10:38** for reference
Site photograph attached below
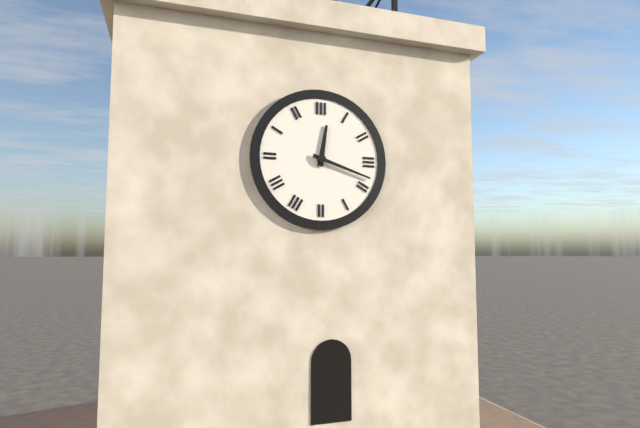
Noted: **12:18**
